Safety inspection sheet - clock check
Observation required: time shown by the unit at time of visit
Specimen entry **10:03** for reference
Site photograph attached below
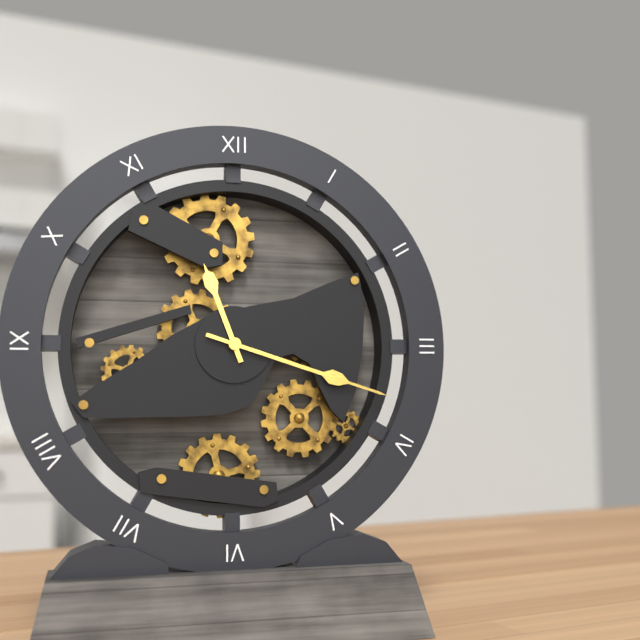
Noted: **11:18**
